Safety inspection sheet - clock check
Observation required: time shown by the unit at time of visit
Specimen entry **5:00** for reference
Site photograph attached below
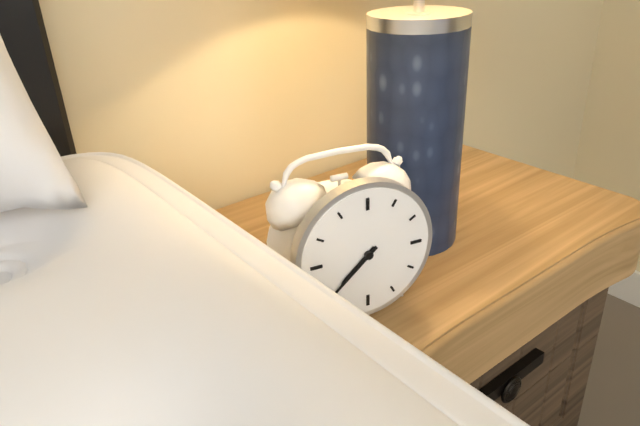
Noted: **7:38**
